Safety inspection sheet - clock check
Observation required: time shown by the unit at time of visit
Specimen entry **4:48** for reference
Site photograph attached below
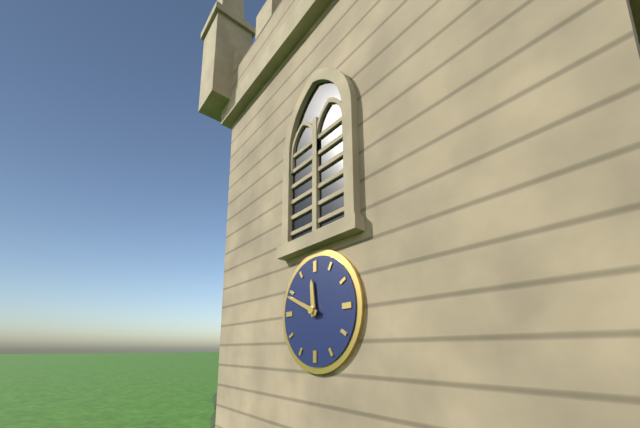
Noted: **11:49**
